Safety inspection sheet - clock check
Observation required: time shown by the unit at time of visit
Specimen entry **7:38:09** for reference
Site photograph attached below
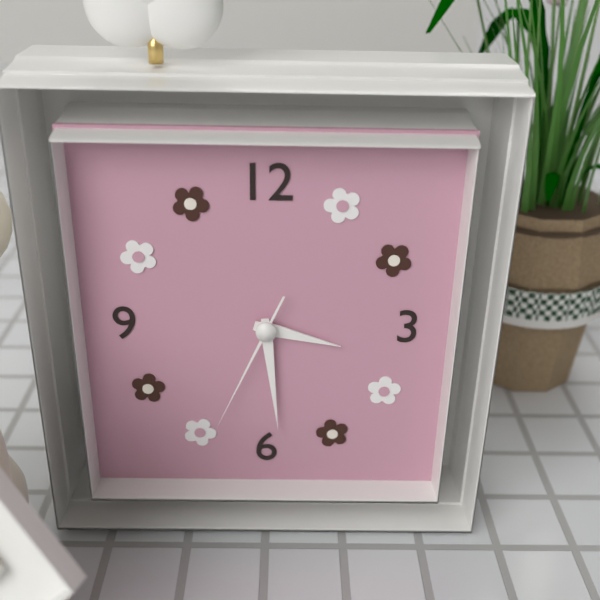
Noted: **3:29:34**
